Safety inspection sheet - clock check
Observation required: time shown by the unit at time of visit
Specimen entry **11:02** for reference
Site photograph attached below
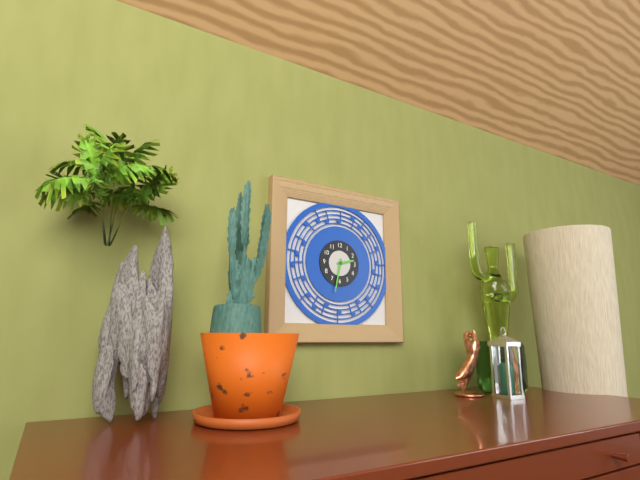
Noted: **2:32**
